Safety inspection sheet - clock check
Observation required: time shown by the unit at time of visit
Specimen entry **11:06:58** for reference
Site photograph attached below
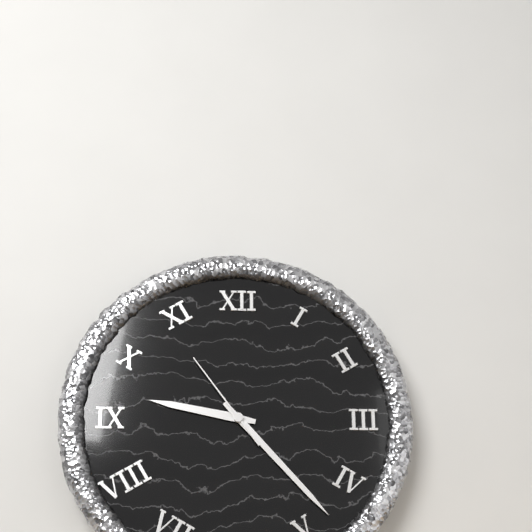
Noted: **9:23:54**
